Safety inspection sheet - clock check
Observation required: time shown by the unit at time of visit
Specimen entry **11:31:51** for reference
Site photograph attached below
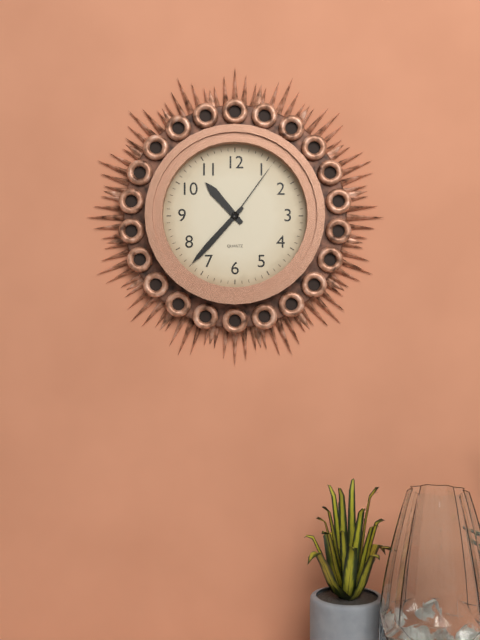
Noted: **10:37:06**
